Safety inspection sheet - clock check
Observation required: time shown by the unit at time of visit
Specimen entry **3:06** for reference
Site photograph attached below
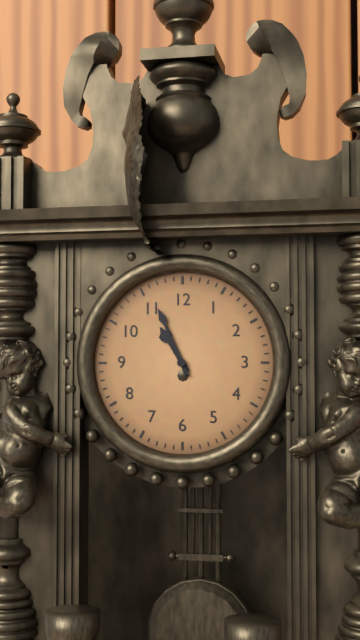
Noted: **10:56**
